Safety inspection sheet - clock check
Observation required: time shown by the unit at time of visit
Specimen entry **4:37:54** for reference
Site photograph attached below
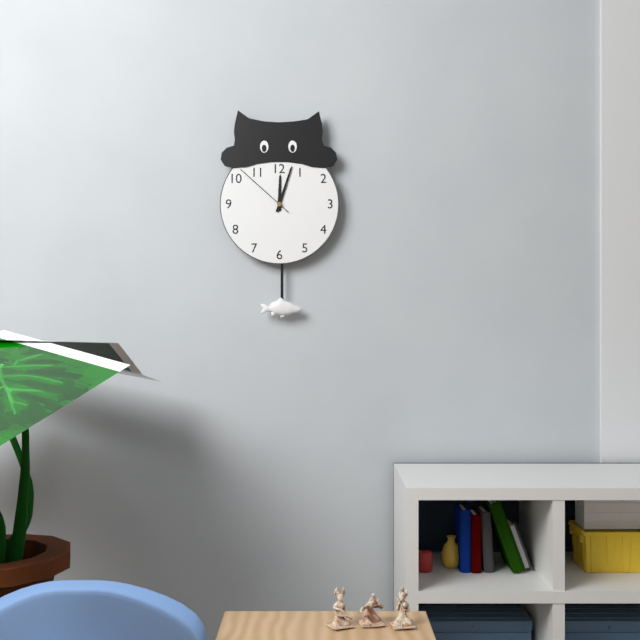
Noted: **12:03:52**
